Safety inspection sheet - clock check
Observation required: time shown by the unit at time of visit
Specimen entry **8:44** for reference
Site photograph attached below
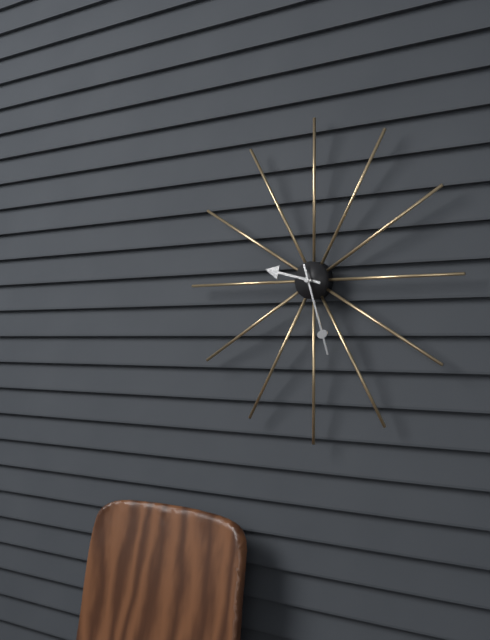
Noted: **9:27**
